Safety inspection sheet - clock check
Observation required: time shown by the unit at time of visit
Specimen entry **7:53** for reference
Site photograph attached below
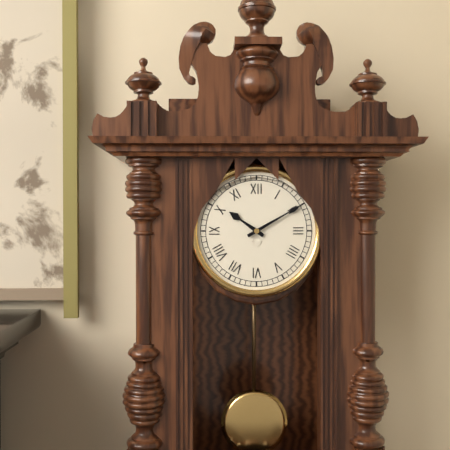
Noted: **10:10**
